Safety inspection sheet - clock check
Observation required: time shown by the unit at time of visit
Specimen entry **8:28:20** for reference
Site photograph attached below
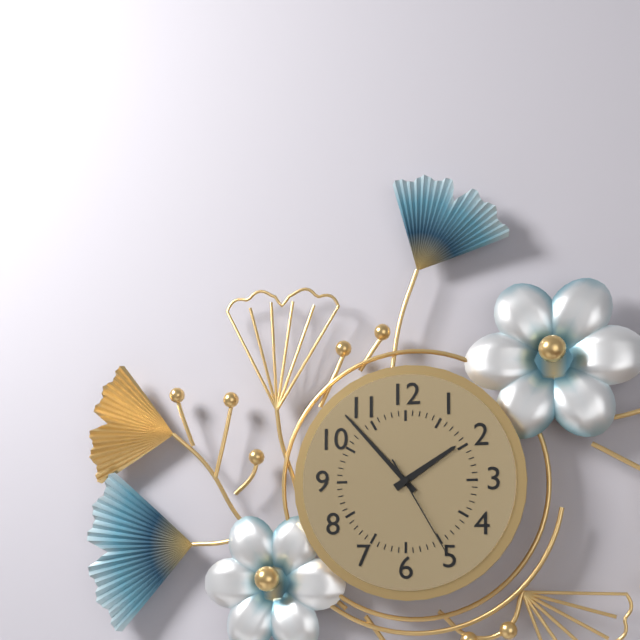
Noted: **1:53:25**
